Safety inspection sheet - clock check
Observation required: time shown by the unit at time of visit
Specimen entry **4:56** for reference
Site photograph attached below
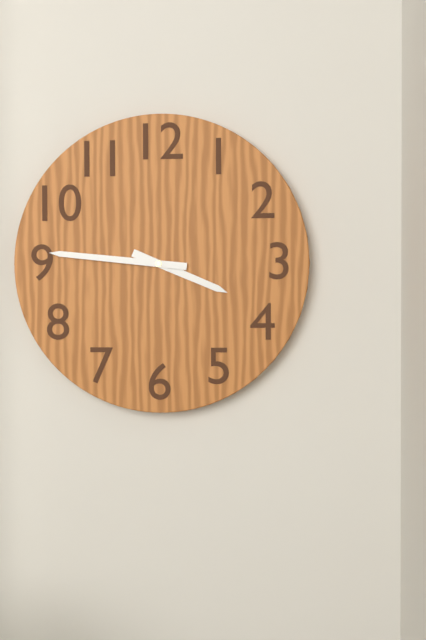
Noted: **3:46**
